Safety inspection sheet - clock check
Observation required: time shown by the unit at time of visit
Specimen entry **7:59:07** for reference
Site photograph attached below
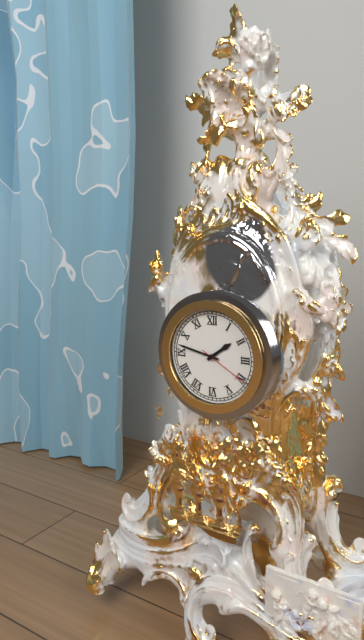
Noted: **1:47:20**
